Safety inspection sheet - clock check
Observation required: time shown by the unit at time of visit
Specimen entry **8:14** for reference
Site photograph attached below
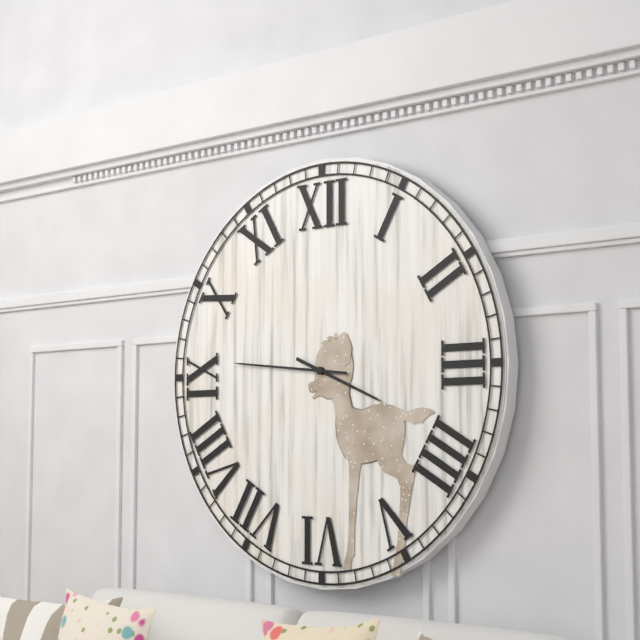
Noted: **3:46**
